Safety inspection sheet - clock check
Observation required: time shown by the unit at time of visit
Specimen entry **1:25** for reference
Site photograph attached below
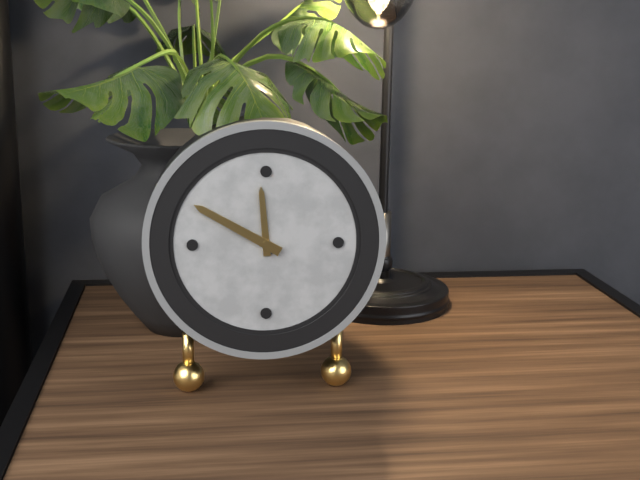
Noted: **11:50**
